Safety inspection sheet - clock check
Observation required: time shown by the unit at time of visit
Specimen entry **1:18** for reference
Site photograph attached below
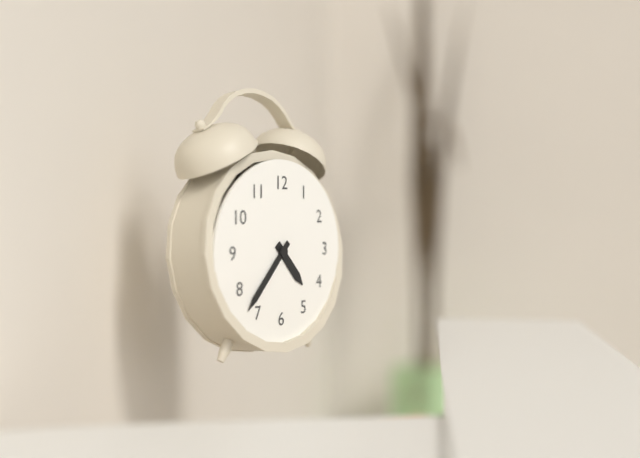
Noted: **4:37**
